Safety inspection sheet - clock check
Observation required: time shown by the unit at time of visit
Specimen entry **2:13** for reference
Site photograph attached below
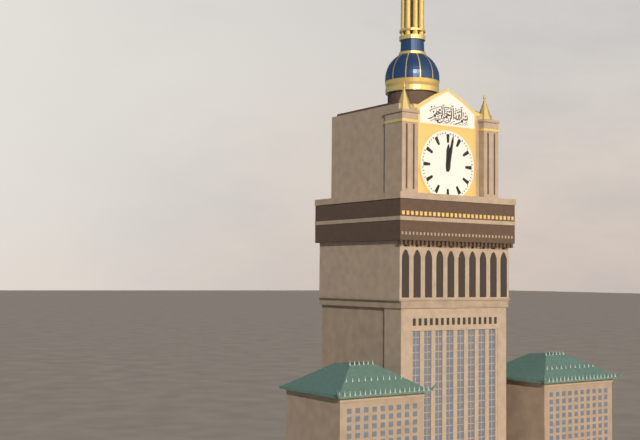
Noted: **12:02**
